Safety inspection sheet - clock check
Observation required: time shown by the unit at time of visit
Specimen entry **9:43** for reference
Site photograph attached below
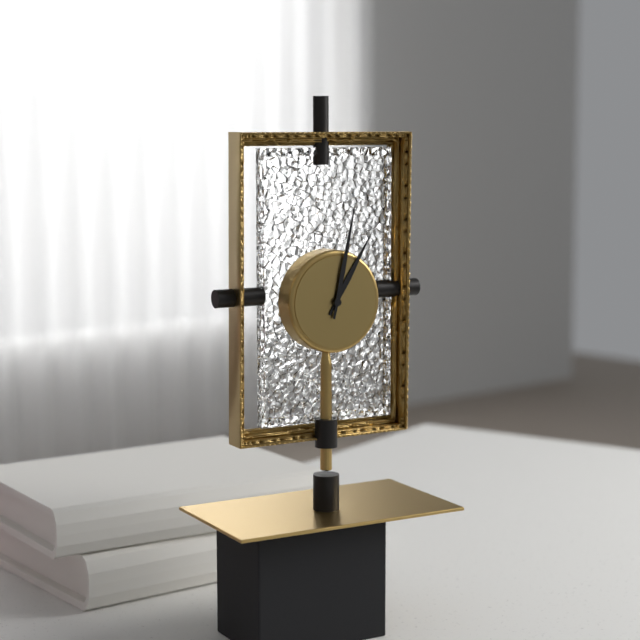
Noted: **1:02**
